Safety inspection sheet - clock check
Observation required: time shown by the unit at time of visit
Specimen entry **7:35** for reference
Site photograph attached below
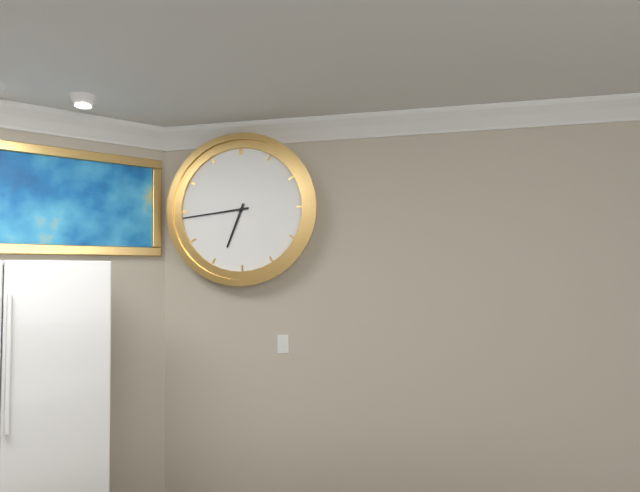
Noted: **6:44**
